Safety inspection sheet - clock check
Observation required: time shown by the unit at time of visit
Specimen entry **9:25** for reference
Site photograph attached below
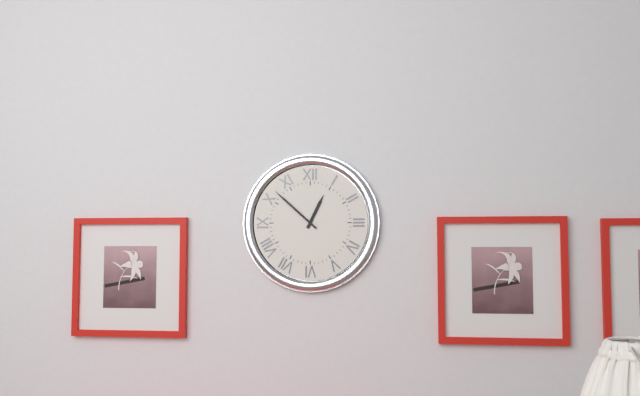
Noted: **12:52**
